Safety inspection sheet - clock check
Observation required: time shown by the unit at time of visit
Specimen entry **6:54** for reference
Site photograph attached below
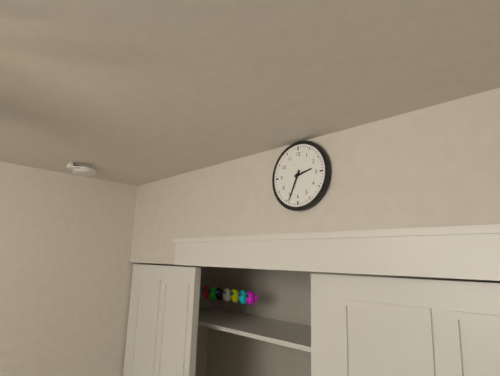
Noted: **2:34**
